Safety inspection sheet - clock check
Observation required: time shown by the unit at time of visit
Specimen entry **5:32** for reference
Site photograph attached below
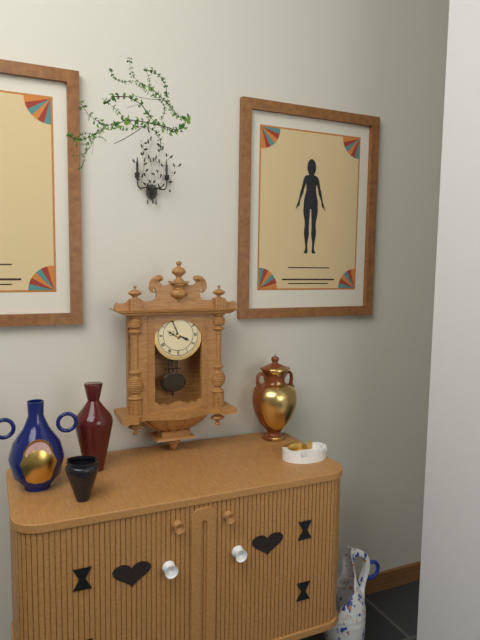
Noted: **3:56**
